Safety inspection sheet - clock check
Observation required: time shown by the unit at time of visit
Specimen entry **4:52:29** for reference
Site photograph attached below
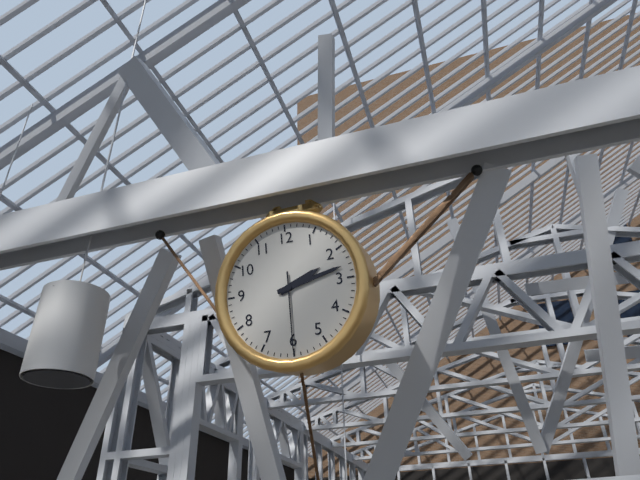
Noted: **2:13:30**
